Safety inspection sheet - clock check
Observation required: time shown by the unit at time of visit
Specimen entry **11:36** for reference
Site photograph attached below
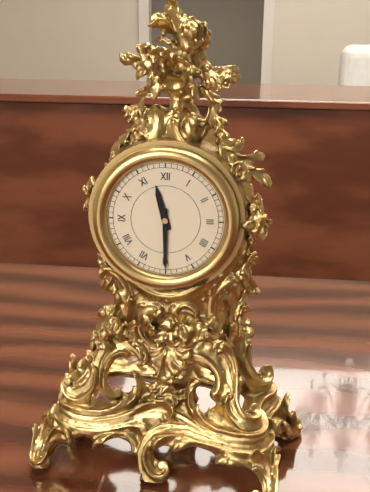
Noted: **11:30**
